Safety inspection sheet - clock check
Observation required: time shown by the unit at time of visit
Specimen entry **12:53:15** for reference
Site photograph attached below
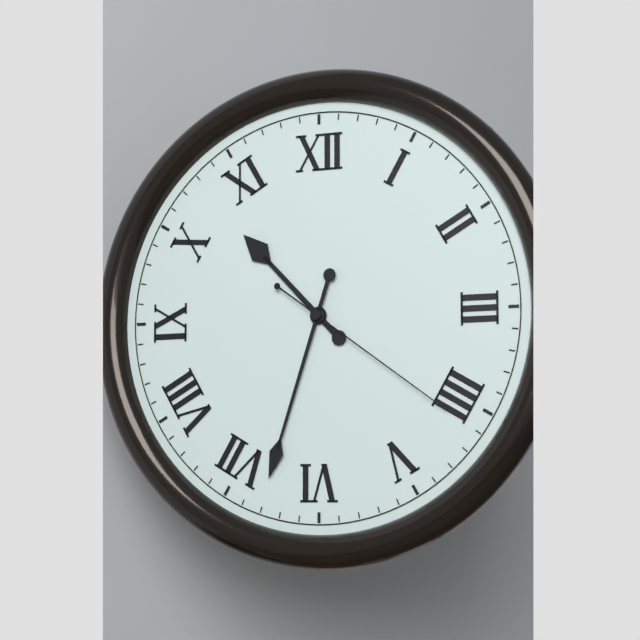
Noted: **10:33:21**
